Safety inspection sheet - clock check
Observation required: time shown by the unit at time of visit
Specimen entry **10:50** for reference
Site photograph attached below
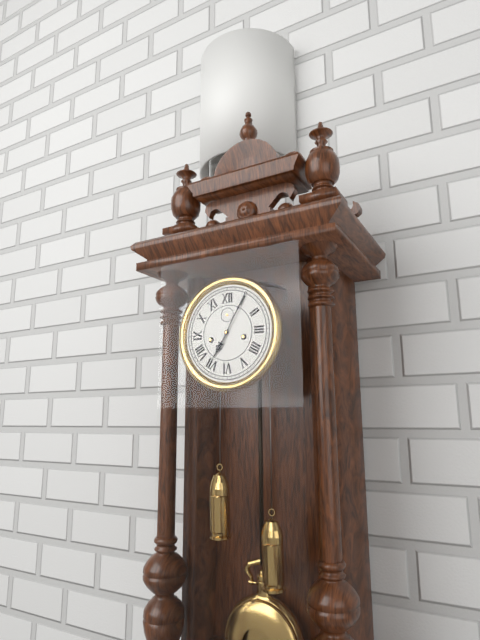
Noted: **7:05**
